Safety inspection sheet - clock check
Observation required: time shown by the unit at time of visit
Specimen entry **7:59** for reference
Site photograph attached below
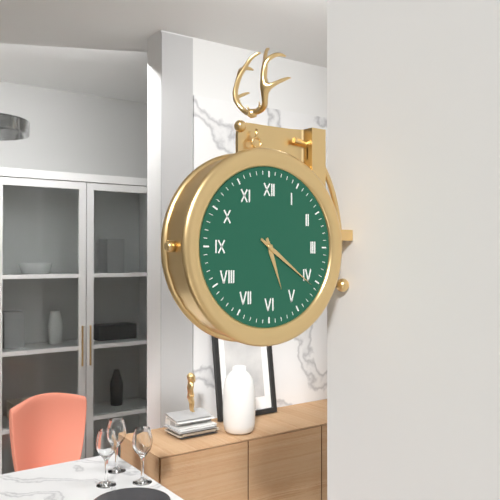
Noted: **5:21**
